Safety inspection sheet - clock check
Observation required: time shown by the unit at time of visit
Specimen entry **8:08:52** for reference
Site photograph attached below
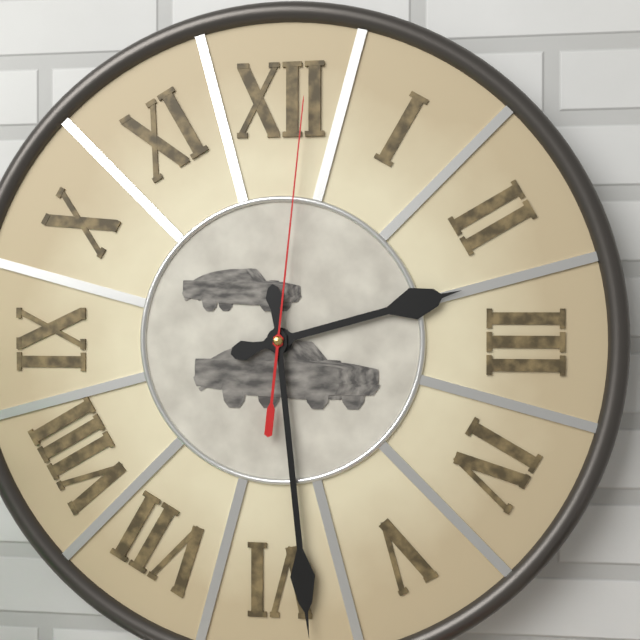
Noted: **2:29:01**
